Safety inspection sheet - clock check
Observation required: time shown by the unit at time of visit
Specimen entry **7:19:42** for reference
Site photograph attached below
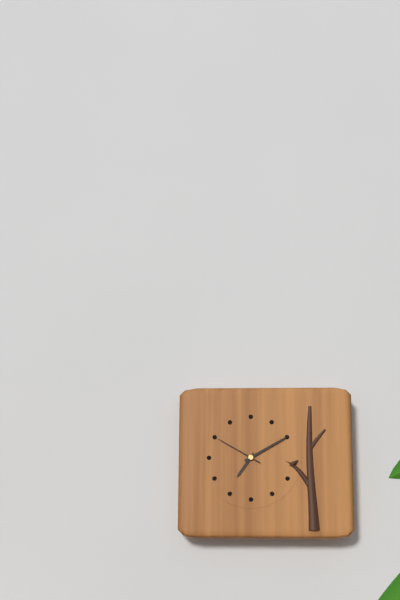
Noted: **7:10:50**
